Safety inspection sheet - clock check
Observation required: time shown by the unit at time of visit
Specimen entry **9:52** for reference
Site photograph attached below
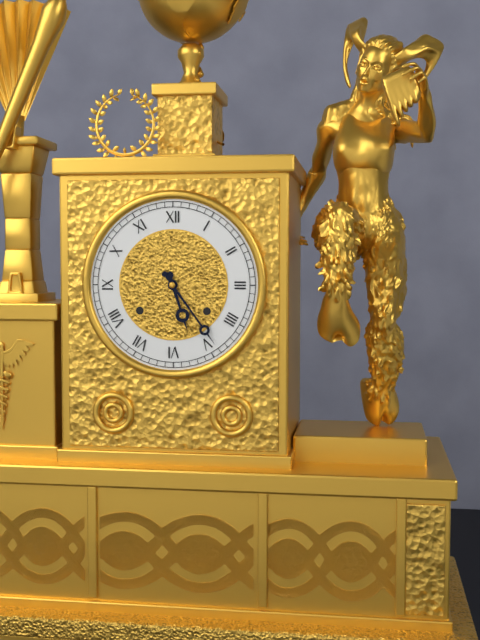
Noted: **5:24**
